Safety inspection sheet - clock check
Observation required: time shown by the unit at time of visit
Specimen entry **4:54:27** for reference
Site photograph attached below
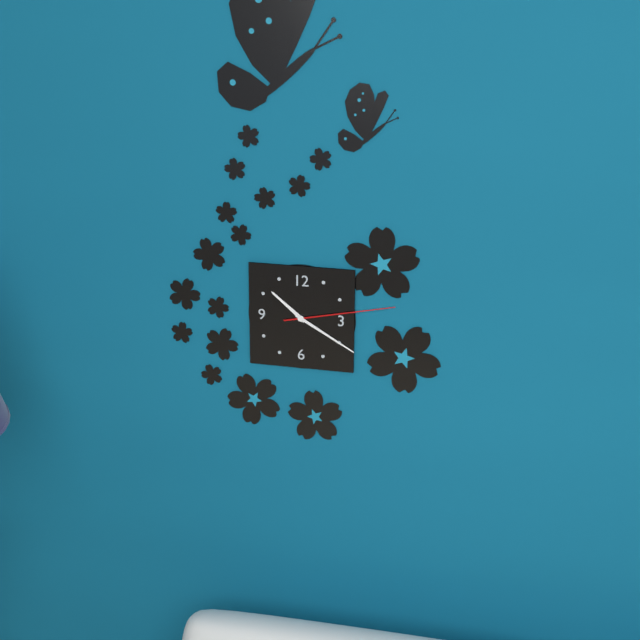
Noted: **10:20:13**
